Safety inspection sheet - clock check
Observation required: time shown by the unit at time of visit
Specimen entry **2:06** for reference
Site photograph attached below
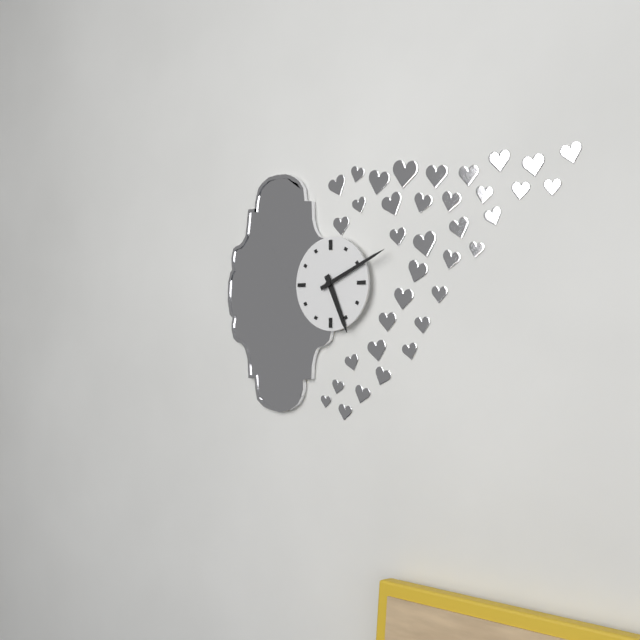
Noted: **5:11**
